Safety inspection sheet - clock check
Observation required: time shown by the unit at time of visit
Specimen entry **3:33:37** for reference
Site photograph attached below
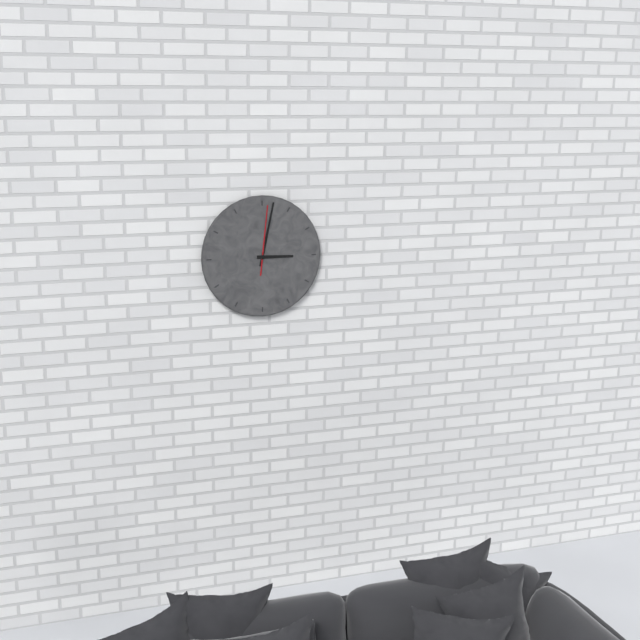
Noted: **3:02:01**
